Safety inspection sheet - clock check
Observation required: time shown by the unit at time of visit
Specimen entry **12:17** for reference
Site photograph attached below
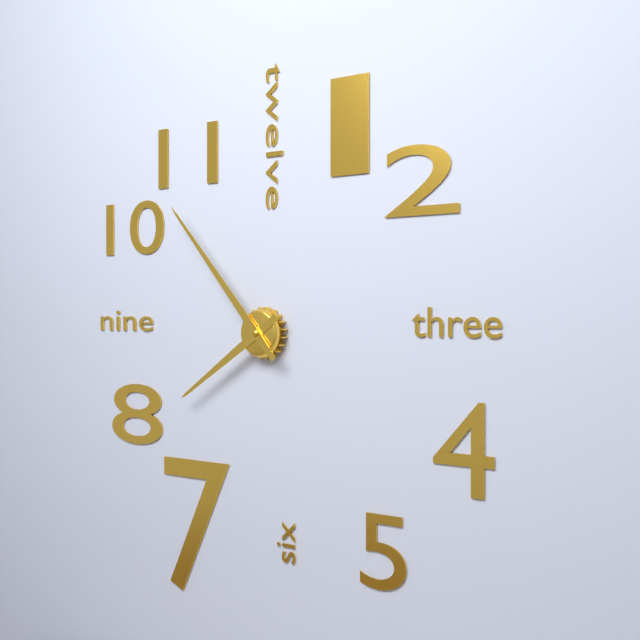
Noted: **7:53**
